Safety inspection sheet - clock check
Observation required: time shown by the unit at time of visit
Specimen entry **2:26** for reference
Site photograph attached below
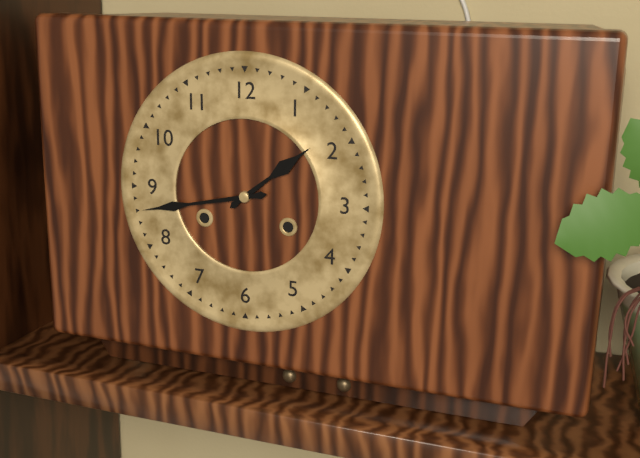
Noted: **1:43**
